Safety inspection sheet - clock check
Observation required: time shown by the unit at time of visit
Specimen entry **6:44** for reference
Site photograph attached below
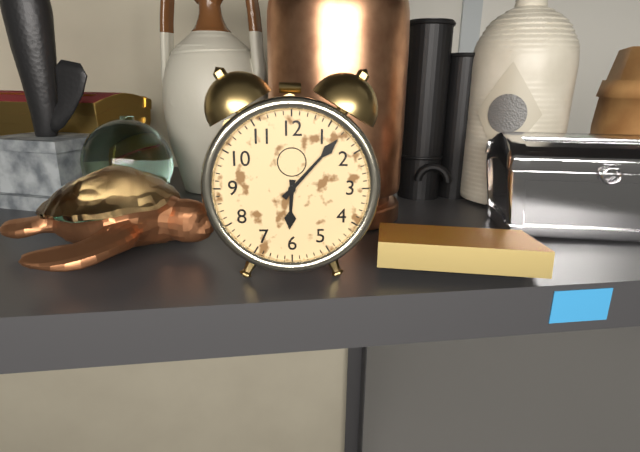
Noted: **6:07**
